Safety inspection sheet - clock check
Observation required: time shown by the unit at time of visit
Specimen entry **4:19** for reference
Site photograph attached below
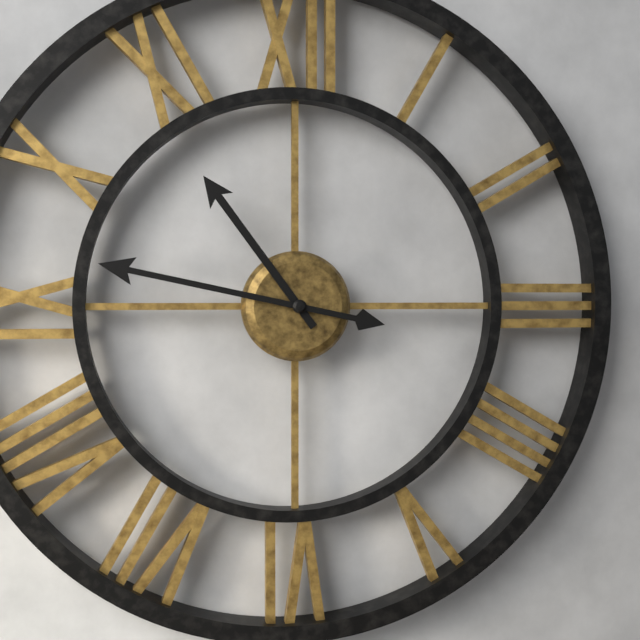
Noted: **10:47**
